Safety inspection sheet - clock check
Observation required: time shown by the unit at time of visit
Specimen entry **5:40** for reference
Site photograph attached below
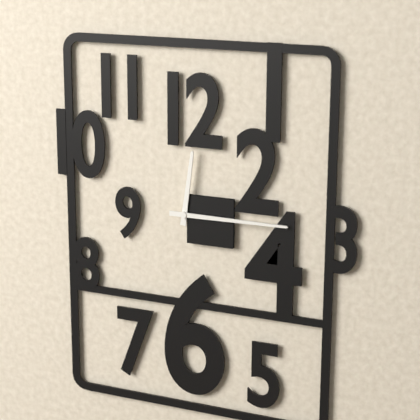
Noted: **12:15**
